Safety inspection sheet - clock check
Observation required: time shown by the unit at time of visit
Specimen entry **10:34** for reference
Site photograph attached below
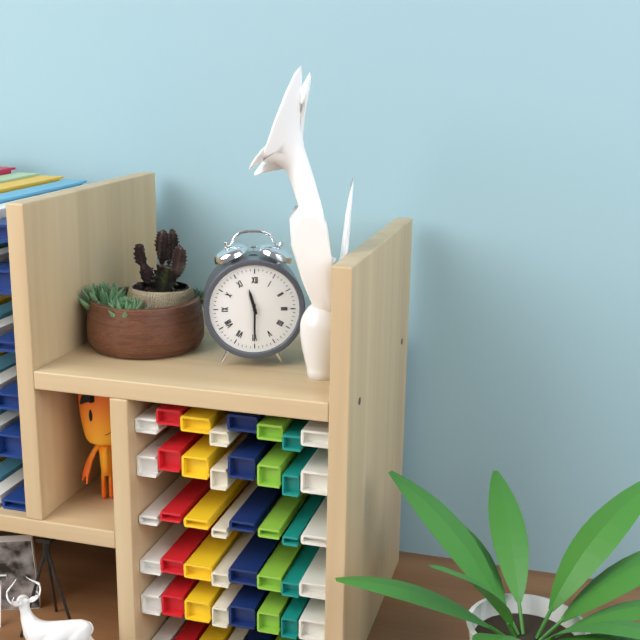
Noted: **11:30**
